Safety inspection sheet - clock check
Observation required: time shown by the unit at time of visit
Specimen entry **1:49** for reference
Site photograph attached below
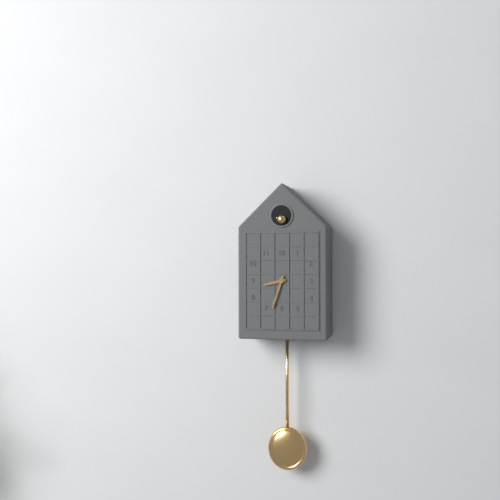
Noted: **8:33**
